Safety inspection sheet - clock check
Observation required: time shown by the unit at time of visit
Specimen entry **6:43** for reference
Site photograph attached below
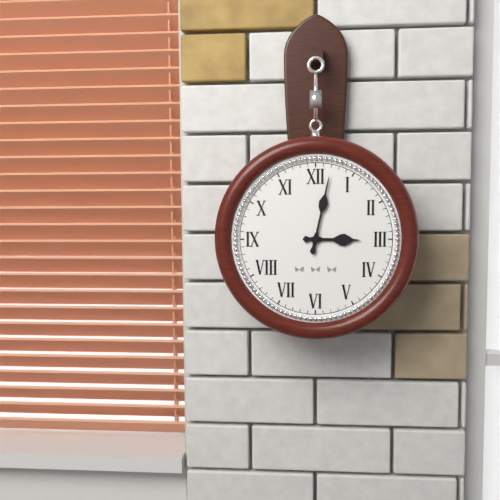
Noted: **3:02**
